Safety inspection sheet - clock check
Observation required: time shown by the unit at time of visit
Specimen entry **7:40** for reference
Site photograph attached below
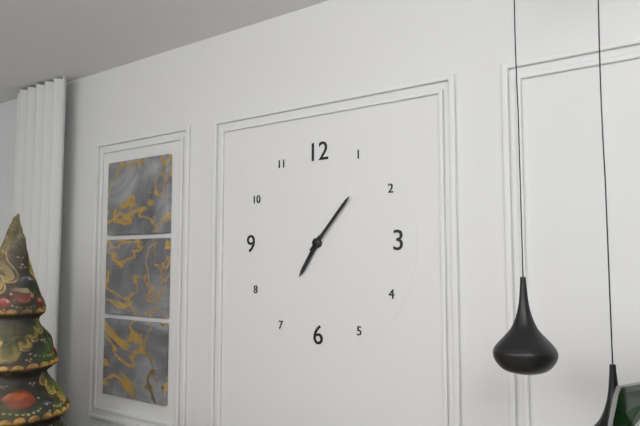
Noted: **7:07**
